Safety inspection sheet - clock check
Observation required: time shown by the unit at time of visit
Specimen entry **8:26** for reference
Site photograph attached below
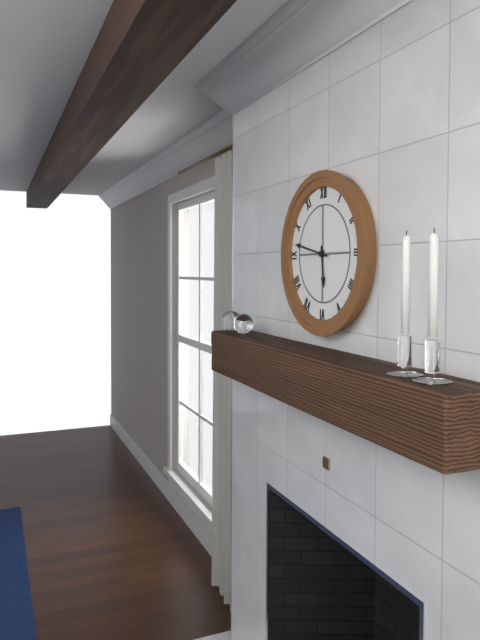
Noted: **5:47**
